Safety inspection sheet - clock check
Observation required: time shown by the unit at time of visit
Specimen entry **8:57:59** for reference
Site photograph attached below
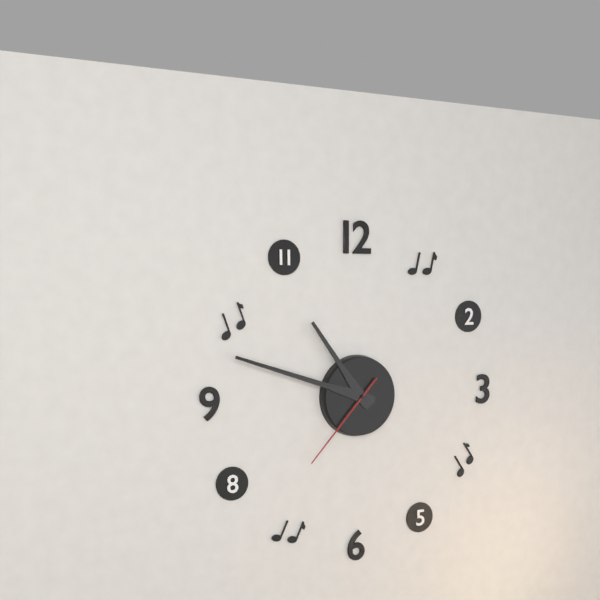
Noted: **10:48:37**
